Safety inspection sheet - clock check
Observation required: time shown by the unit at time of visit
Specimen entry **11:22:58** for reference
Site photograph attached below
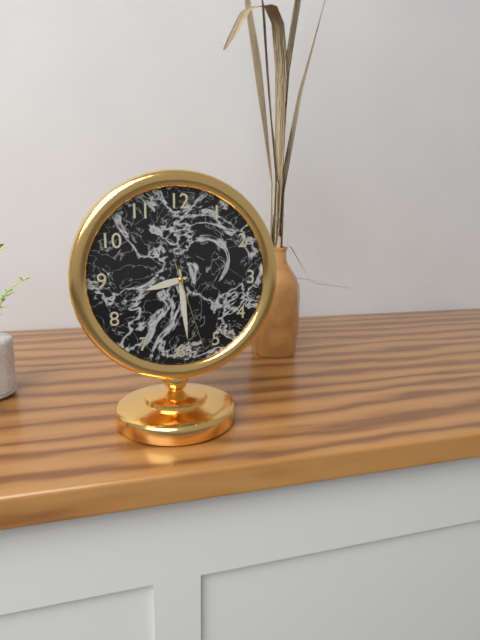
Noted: **8:29:27**
